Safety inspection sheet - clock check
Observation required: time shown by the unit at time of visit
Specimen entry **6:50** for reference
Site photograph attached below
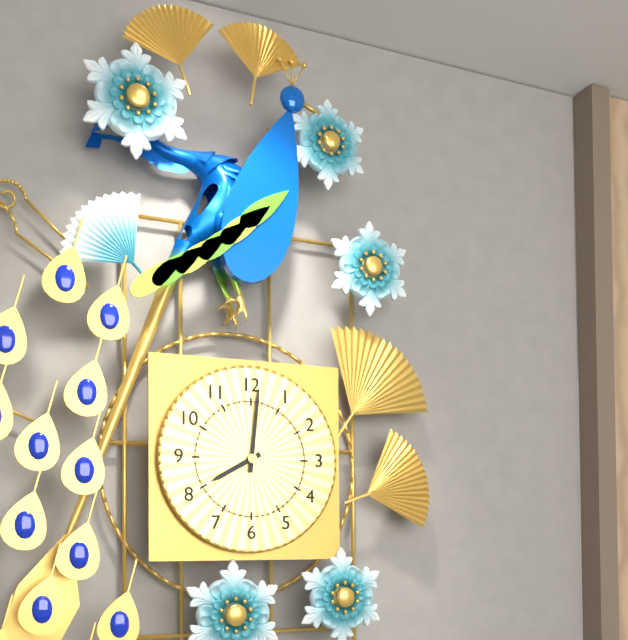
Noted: **8:01**
